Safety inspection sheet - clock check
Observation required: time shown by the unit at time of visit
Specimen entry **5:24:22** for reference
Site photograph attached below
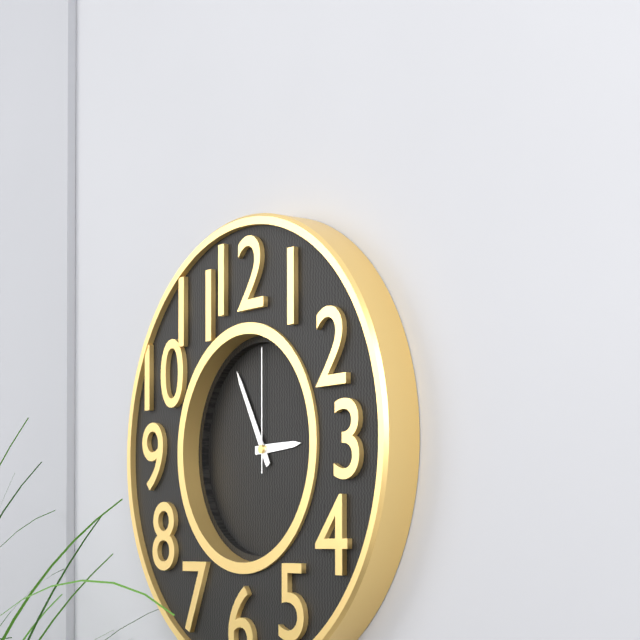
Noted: **2:55:00**
